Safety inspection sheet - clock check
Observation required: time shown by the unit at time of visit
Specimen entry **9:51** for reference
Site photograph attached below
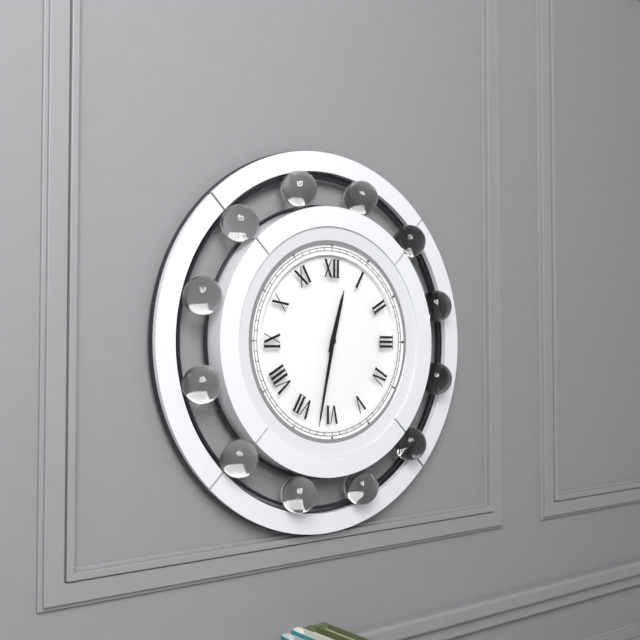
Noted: **12:32**
